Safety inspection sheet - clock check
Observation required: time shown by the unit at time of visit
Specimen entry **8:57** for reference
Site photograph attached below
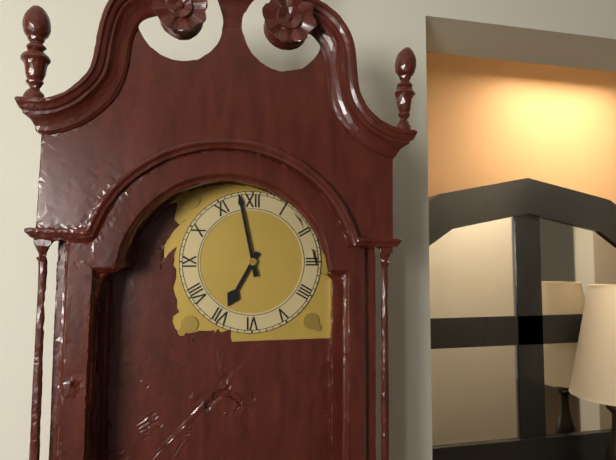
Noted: **6:58**
